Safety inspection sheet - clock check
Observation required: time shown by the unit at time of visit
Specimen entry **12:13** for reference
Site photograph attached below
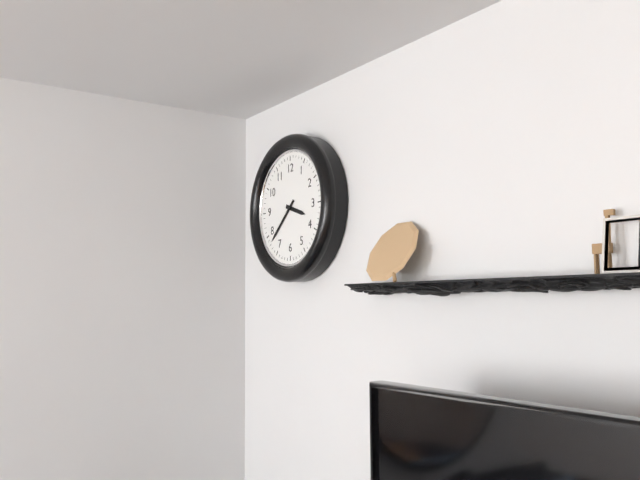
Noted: **3:38**
